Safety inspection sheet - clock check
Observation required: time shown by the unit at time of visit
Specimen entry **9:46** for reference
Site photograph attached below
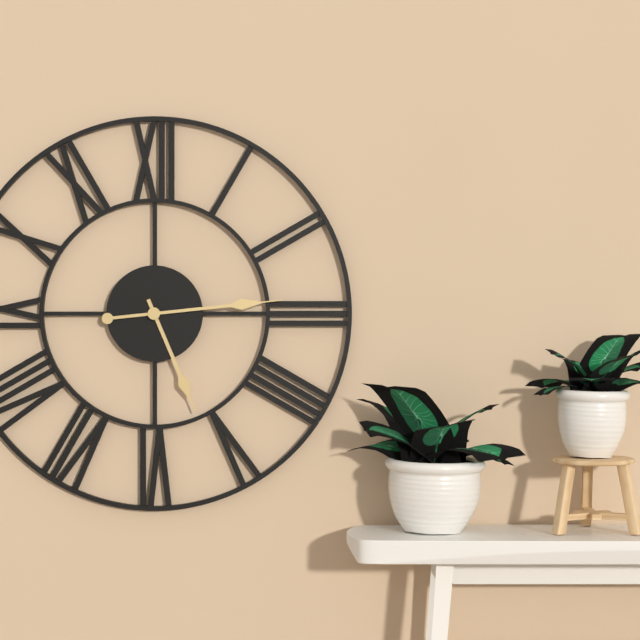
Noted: **5:14**
